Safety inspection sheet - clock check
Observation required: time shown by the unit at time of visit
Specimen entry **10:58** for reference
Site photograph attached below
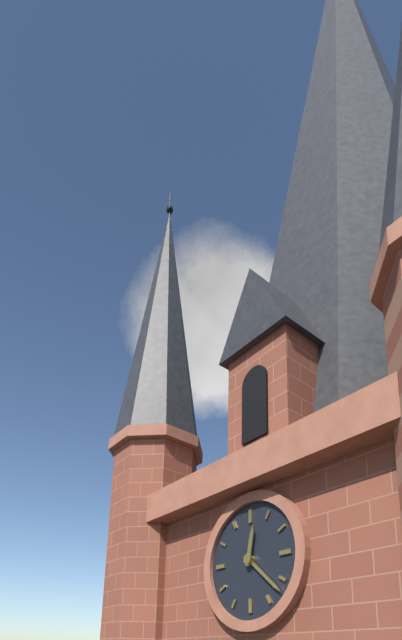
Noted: **12:22**
